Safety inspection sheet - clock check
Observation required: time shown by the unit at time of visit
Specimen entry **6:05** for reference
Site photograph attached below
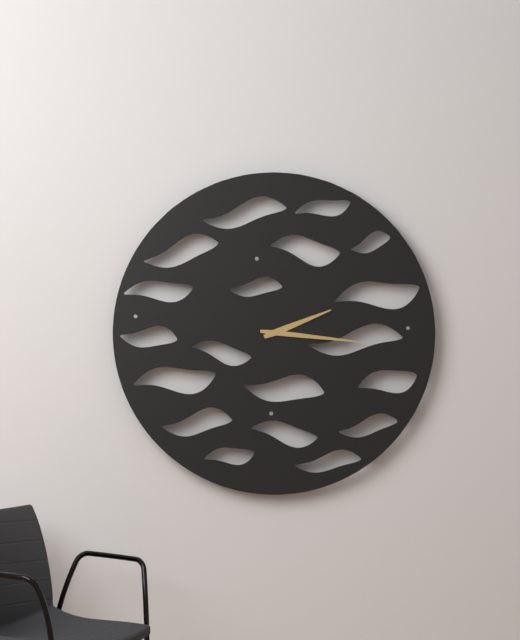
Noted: **2:16**
